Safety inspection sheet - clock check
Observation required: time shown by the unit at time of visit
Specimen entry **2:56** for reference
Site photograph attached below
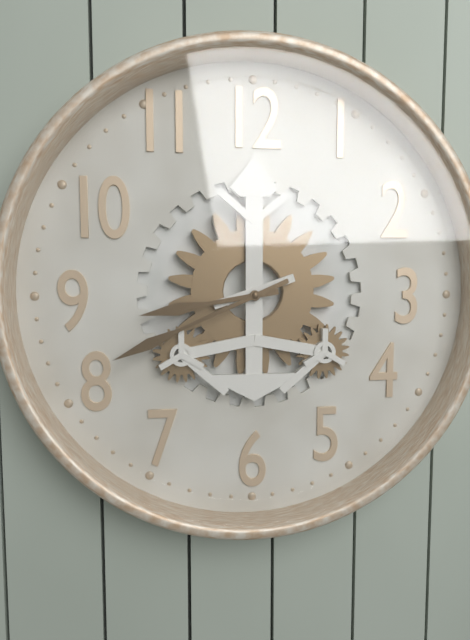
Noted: **8:41**
